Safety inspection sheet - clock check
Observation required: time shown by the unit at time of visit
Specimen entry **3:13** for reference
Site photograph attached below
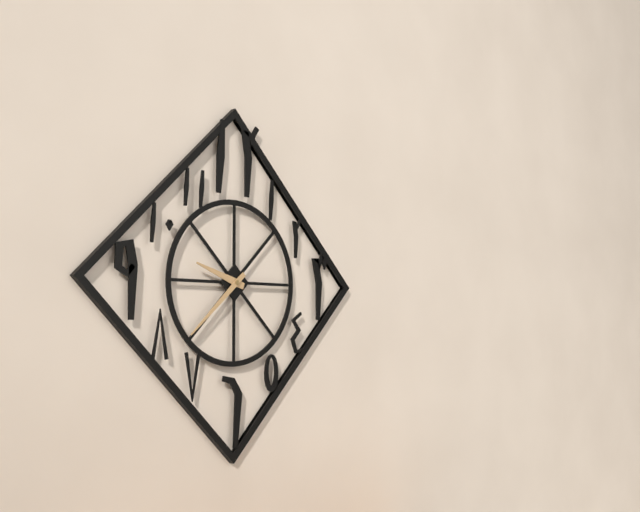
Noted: **9:38**
